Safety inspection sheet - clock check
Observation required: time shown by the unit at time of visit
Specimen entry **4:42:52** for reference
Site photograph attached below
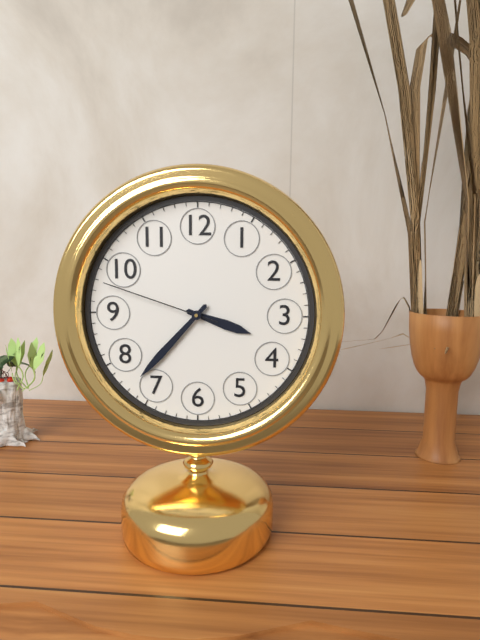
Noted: **3:37:48**
